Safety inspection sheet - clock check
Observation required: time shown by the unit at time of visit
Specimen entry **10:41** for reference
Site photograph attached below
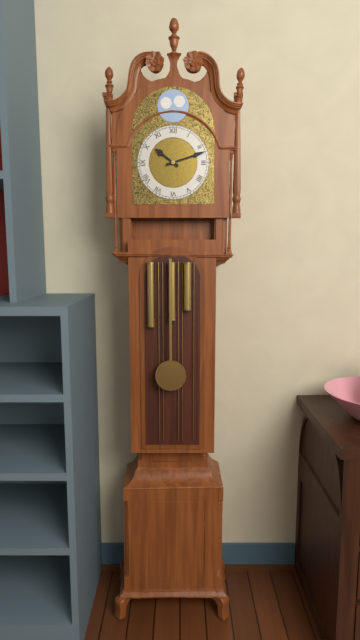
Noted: **10:12**
